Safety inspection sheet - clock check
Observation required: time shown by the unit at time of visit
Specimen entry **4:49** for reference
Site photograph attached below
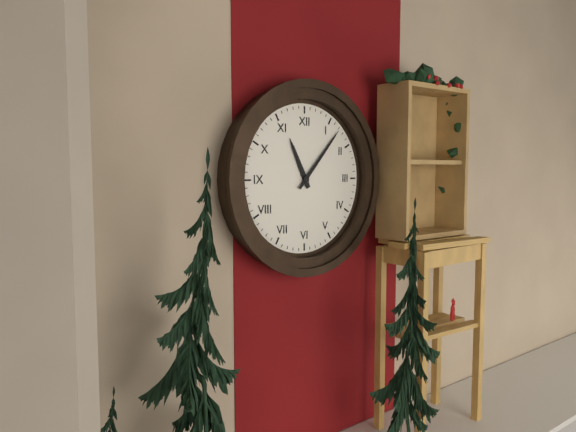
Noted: **11:07**
